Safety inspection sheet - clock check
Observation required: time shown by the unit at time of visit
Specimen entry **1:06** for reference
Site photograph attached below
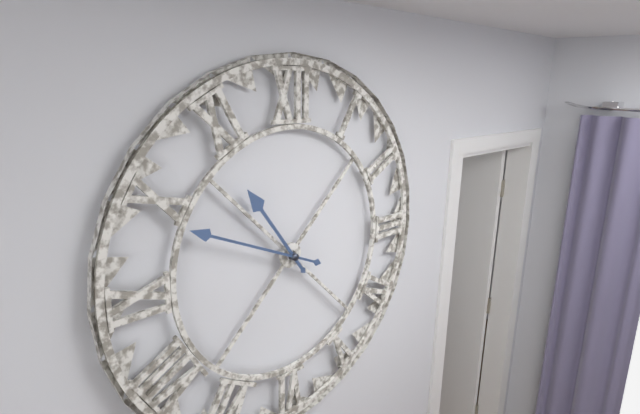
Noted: **10:49**
